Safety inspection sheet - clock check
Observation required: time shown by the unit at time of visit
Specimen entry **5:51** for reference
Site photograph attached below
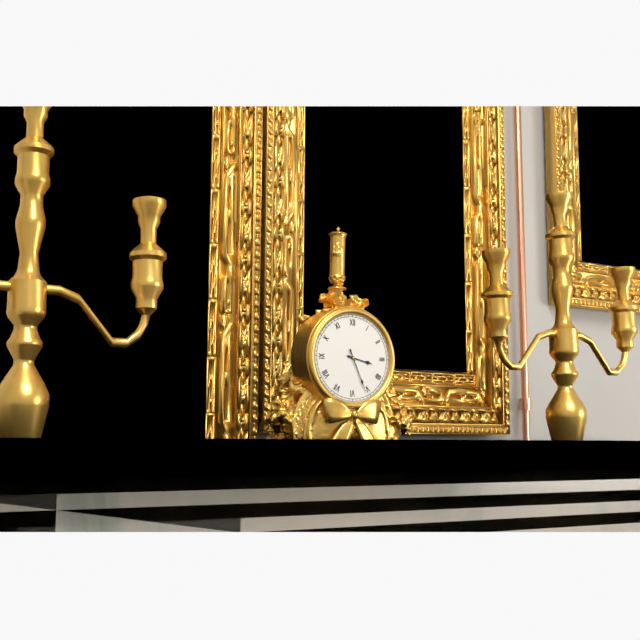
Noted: **3:26**
